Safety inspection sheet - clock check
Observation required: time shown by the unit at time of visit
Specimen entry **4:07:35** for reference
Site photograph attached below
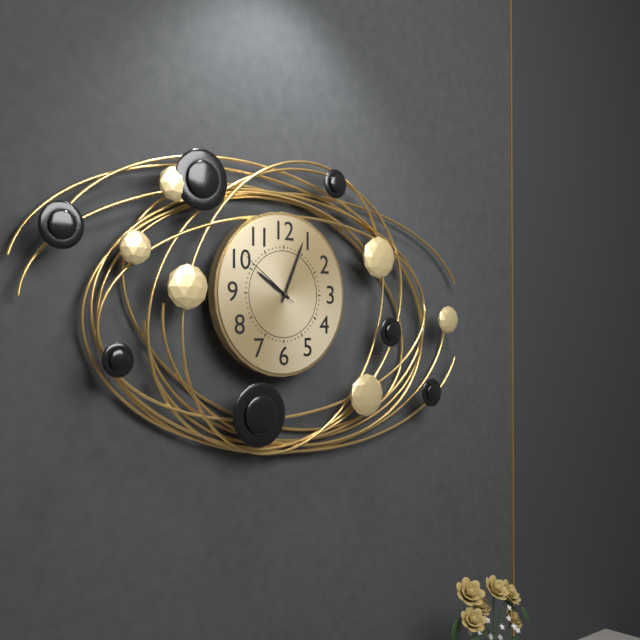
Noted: **10:04:51**
